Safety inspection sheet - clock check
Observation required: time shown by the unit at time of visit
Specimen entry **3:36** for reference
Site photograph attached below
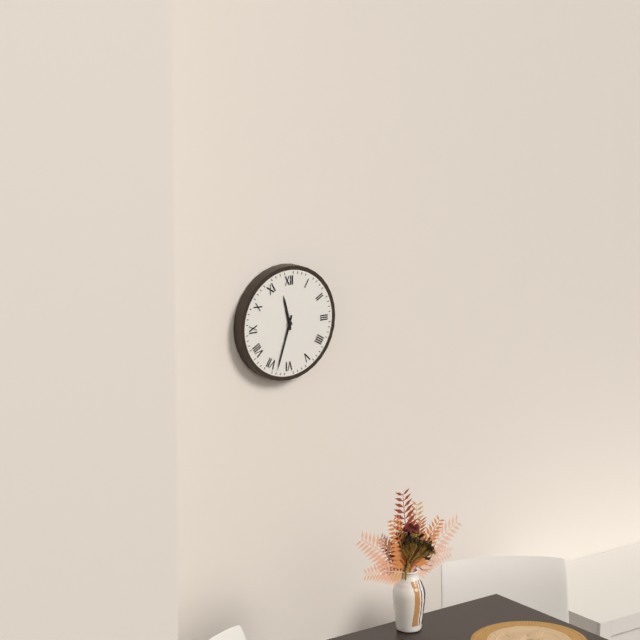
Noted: **11:33**
